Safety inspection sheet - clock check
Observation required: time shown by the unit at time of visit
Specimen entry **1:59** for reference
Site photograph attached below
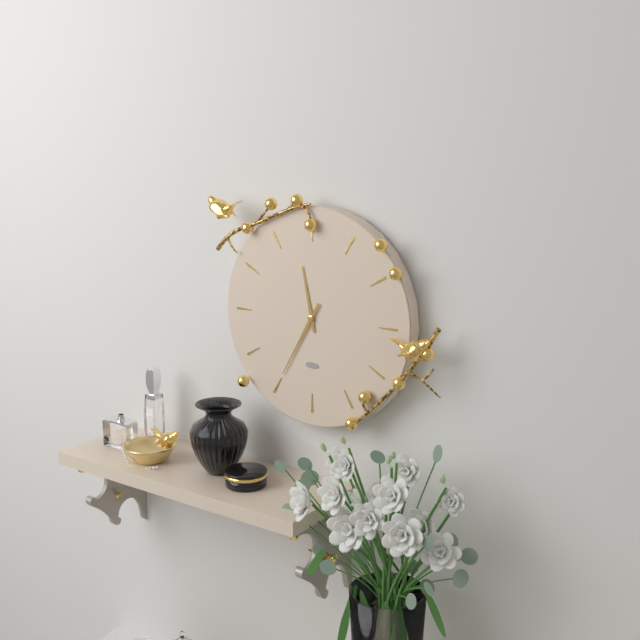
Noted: **11:35**
